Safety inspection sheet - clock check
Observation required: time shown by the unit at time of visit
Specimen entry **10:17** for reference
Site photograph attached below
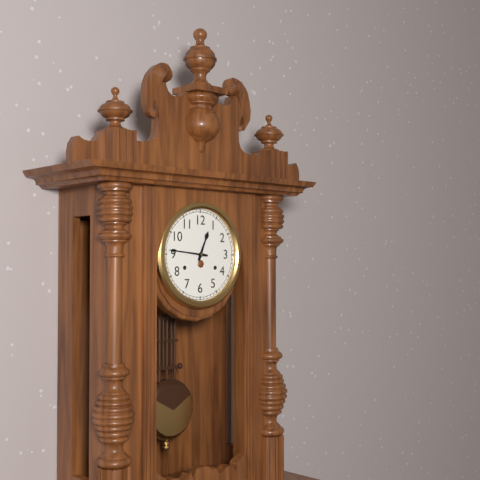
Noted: **12:46**
